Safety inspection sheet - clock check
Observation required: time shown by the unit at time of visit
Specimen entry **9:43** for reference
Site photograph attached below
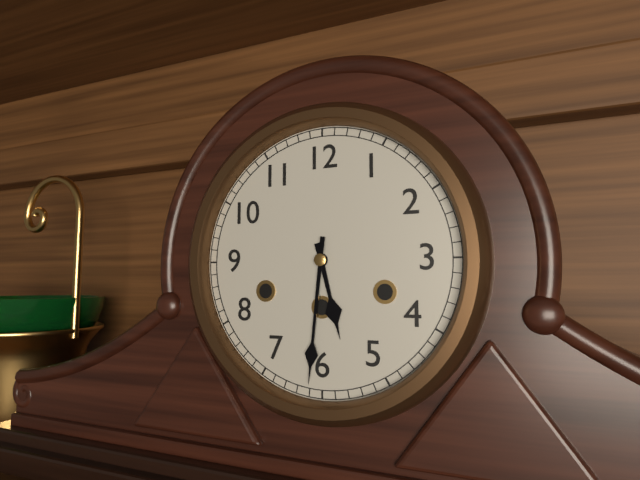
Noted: **5:31**
